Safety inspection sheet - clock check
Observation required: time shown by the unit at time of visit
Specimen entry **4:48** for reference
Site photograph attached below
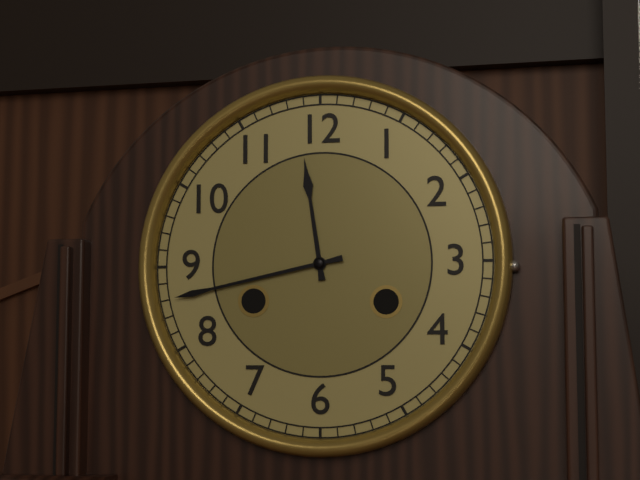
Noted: **11:43**
